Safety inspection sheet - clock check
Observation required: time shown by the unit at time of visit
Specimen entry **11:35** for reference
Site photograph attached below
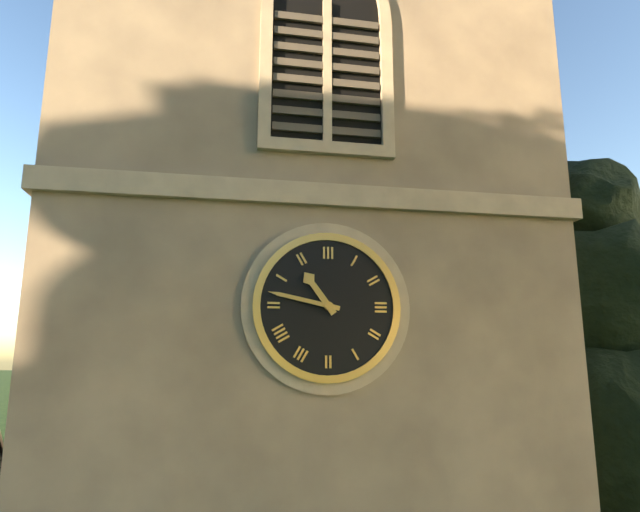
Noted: **10:47**
